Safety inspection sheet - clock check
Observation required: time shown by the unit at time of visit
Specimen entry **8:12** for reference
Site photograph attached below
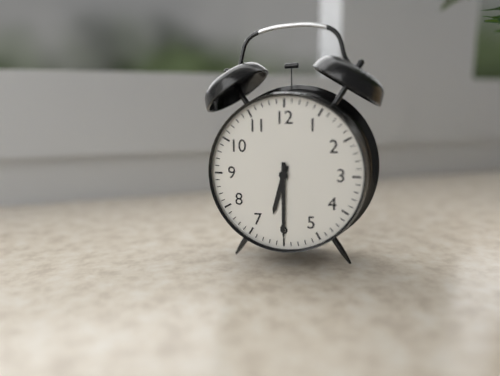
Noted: **6:30**
